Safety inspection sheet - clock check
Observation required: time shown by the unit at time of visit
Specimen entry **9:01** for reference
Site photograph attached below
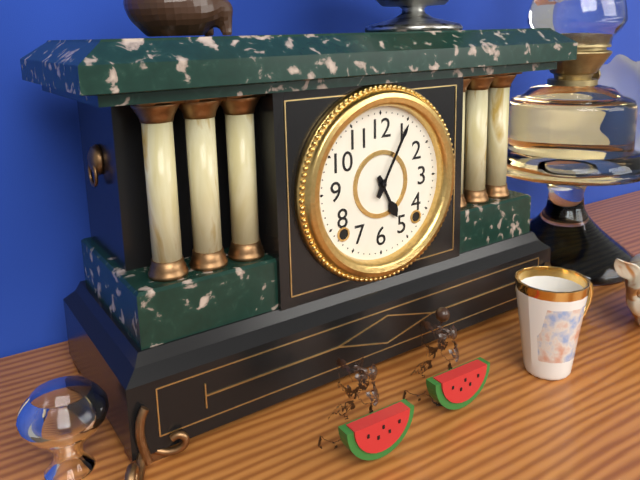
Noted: **5:05**
